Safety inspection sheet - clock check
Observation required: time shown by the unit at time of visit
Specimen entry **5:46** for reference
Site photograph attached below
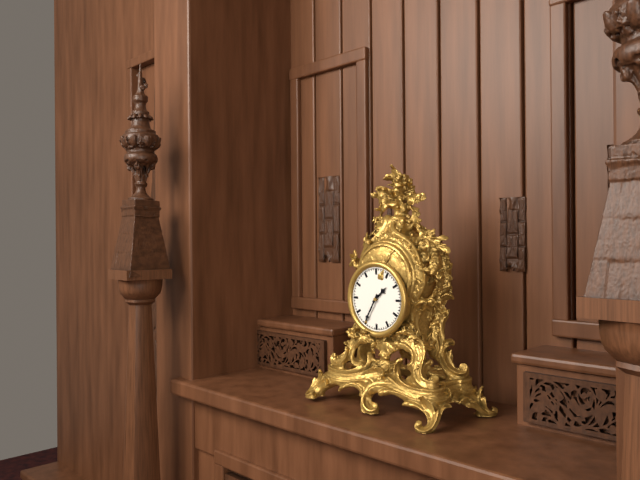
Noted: **1:35**
